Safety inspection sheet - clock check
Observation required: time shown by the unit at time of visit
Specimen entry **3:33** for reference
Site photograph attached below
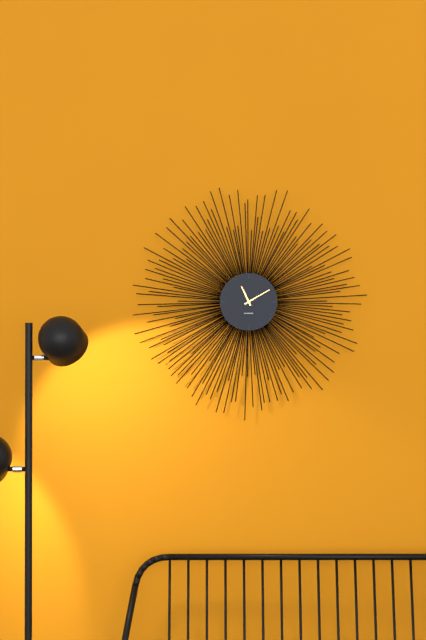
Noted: **11:10**
